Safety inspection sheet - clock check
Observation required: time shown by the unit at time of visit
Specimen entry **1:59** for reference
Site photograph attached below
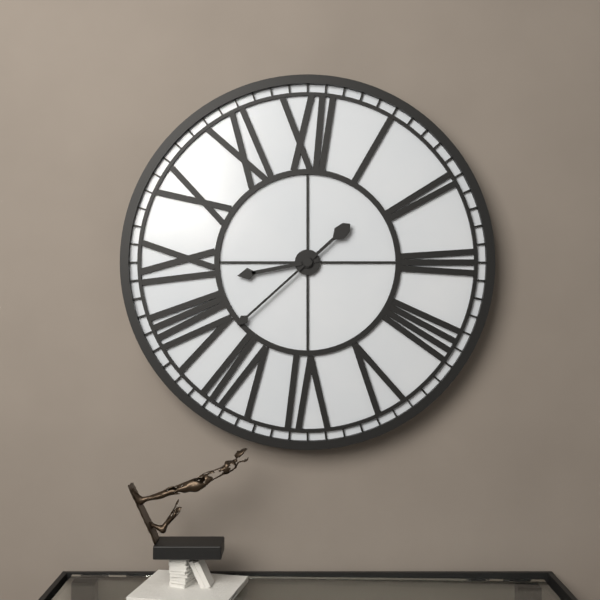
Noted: **8:38**
